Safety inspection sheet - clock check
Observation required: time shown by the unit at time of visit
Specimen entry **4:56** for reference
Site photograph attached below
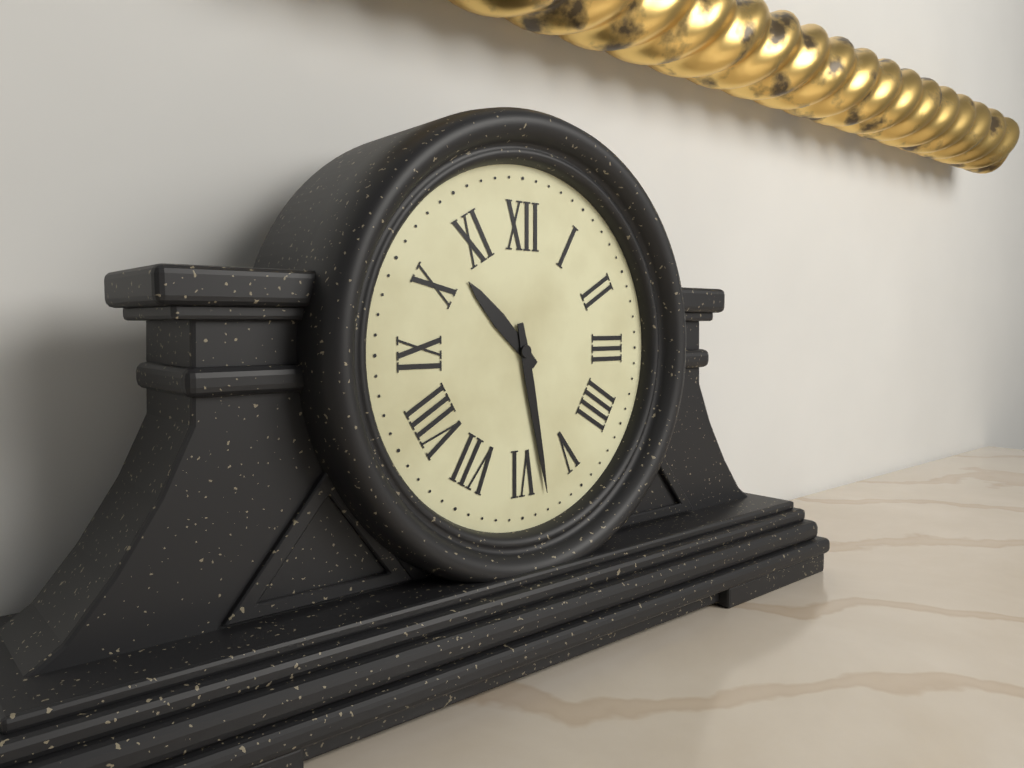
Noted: **10:28**
